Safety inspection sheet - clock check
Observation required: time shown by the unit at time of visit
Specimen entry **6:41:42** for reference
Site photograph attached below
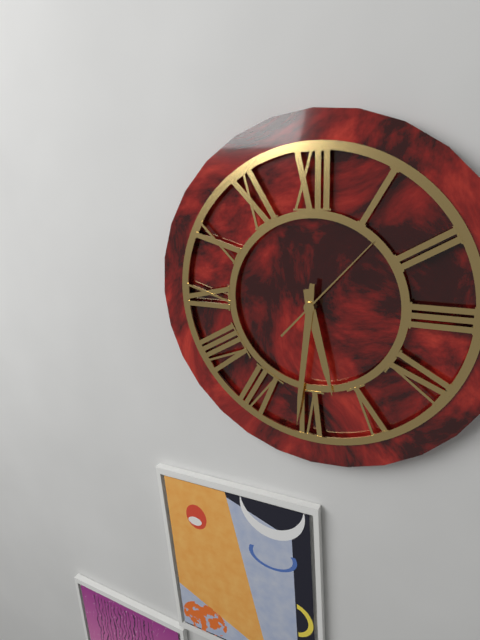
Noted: **5:31:07**
